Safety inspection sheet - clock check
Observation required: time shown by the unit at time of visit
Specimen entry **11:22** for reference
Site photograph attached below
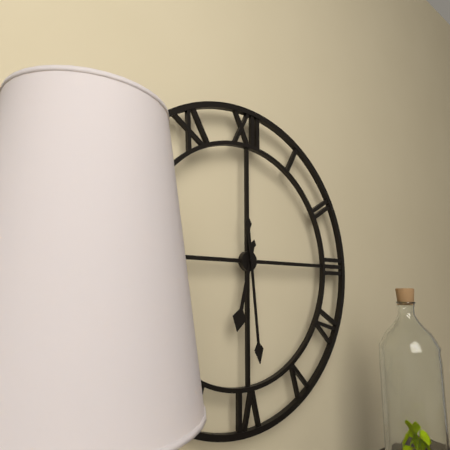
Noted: **6:29**
